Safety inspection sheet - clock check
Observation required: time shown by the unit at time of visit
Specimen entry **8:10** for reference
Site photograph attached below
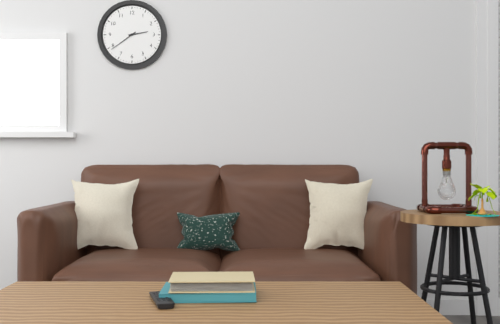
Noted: **2:39**
